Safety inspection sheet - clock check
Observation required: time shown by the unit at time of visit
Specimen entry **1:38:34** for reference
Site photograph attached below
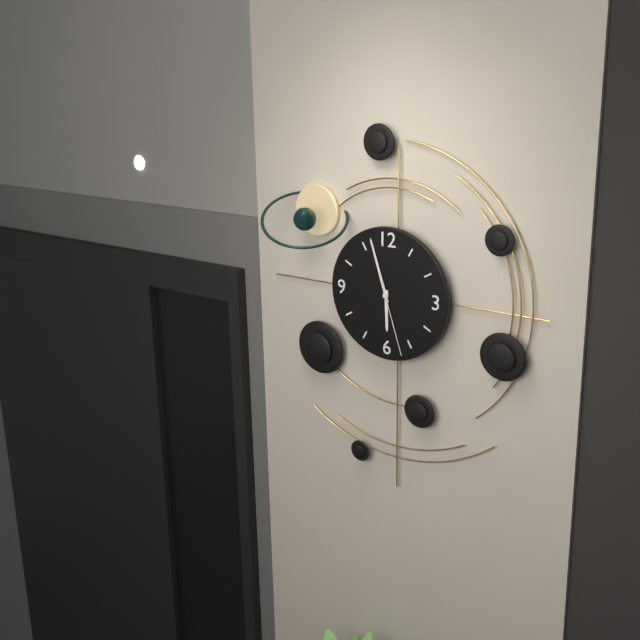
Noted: **5:57:27**
